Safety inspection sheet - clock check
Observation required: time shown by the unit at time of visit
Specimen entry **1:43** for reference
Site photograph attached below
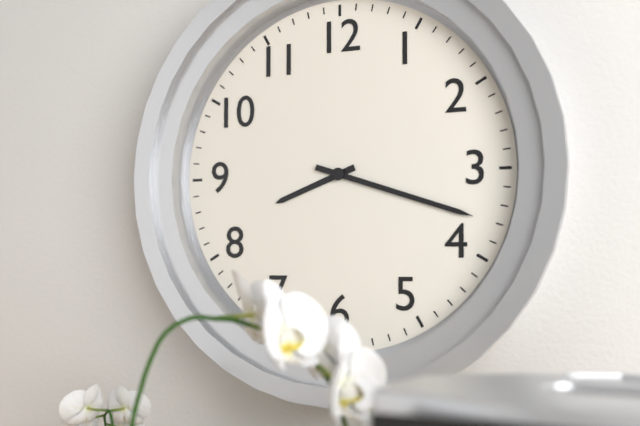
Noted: **8:18**
